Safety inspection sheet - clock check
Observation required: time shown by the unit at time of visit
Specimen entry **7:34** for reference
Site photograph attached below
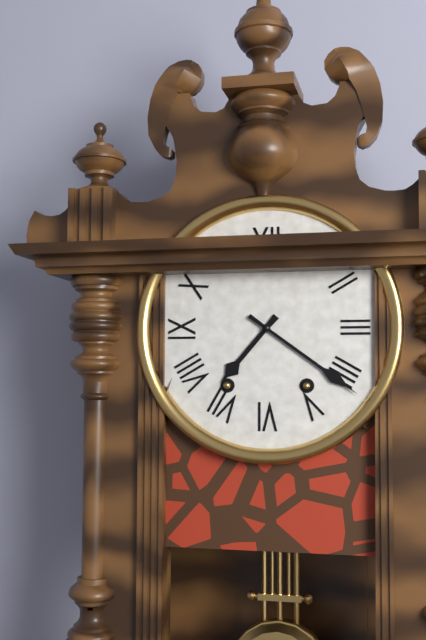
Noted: **7:21**
